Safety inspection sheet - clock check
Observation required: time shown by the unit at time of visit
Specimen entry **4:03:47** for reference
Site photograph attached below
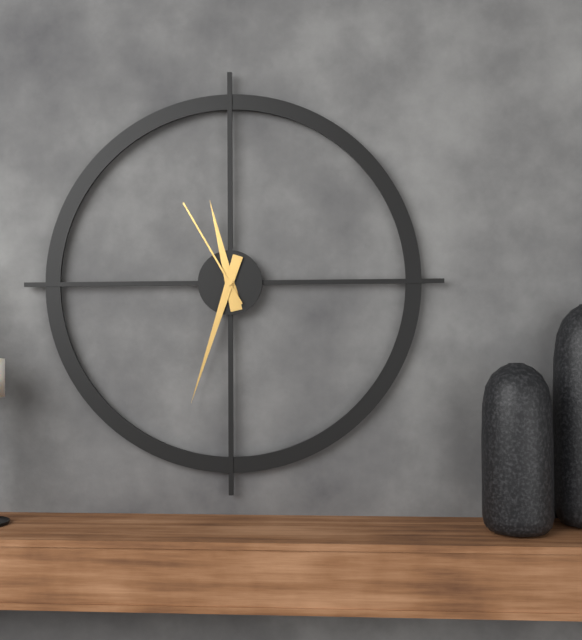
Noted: **11:33:55**
